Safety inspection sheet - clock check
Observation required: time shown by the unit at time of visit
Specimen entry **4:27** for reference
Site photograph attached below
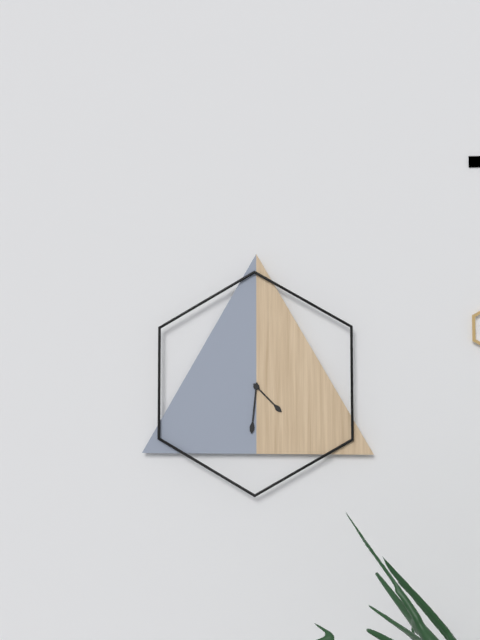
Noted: **4:31**
